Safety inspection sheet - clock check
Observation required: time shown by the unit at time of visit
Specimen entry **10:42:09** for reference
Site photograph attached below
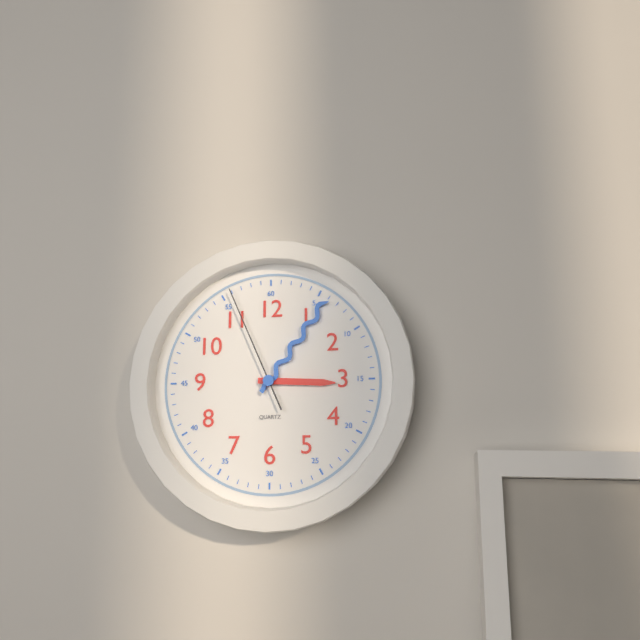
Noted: **3:06:56**
